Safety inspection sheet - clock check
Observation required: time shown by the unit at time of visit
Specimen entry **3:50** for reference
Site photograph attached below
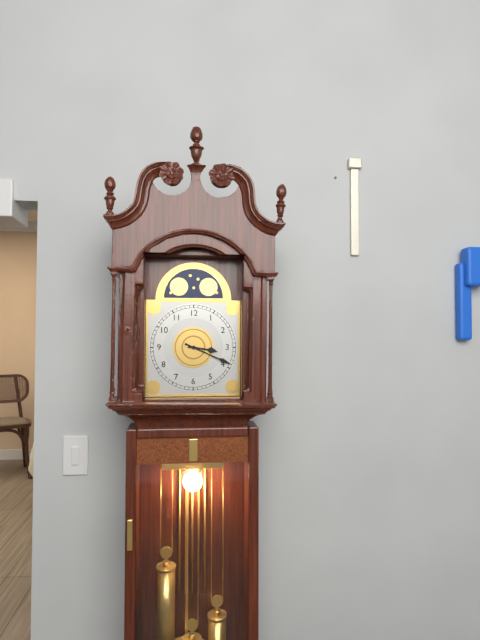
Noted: **3:19**
